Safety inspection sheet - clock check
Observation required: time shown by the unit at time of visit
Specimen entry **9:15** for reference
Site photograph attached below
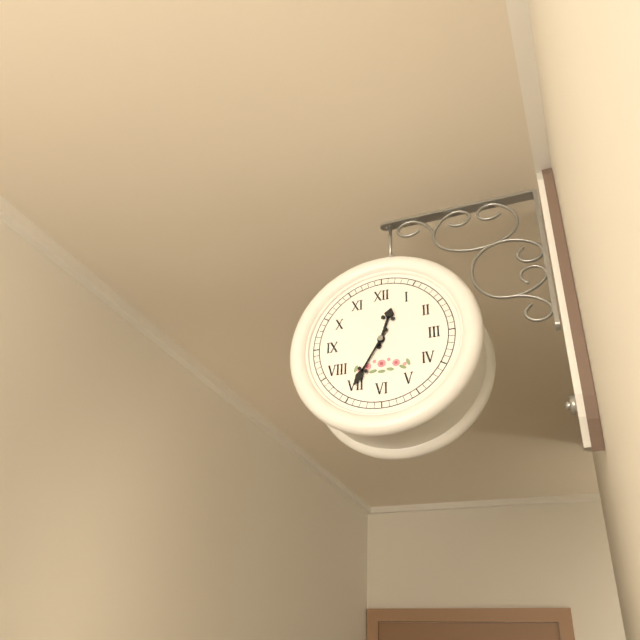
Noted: **12:35**
